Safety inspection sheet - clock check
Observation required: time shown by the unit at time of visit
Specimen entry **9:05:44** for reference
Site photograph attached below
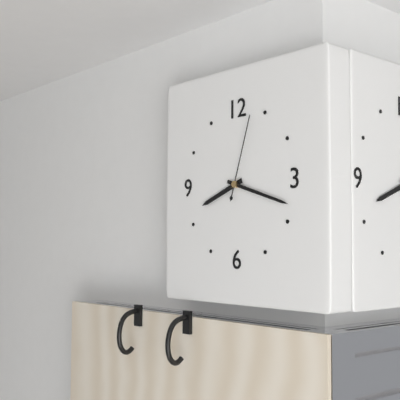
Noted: **8:18:03**
